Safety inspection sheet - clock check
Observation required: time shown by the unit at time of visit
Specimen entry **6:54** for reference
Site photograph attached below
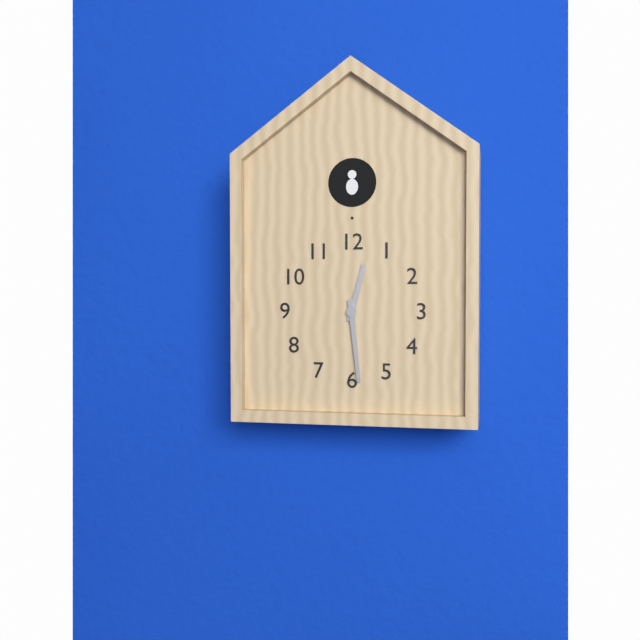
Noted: **12:29**
